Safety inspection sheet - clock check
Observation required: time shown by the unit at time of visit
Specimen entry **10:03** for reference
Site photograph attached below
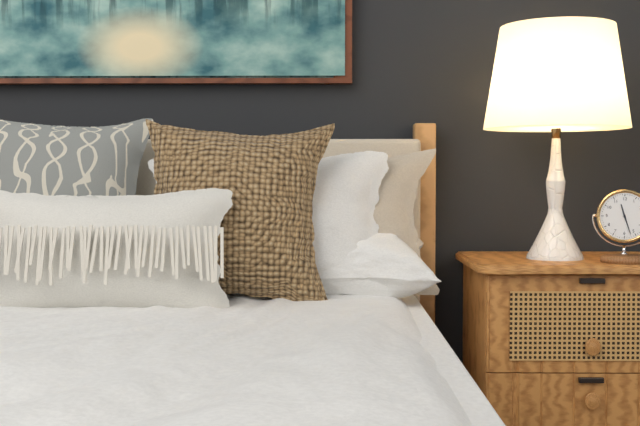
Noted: **11:27**
